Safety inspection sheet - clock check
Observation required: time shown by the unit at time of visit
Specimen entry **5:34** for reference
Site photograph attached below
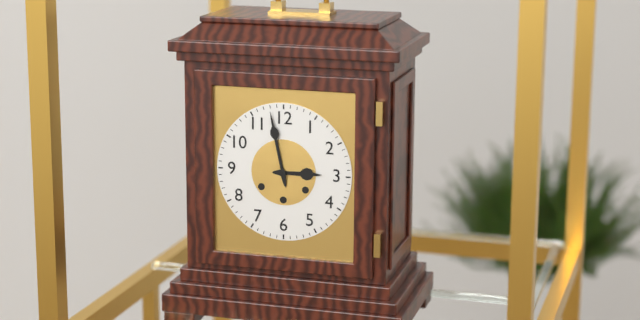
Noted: **2:58**
